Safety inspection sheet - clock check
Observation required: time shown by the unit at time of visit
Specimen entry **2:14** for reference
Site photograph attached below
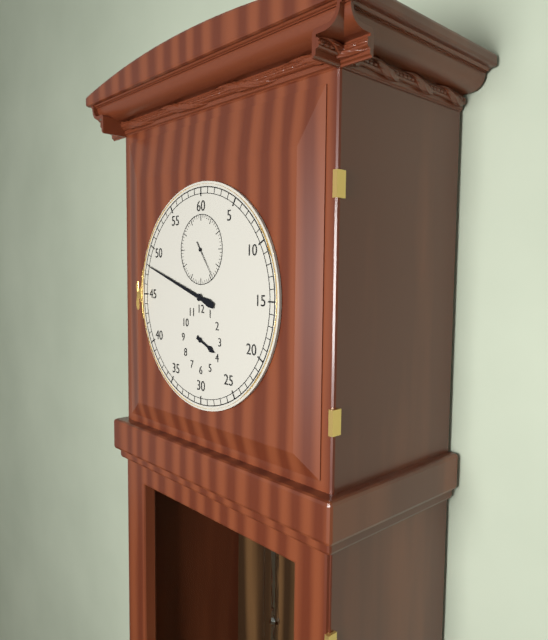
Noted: **3:48**
